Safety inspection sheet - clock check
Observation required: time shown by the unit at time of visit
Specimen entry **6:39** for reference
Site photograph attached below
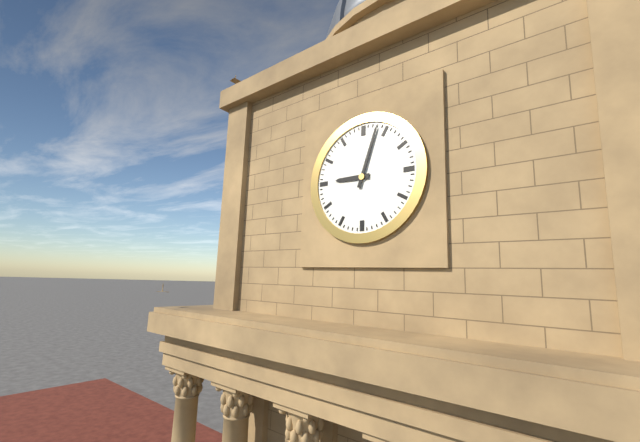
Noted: **9:03**
